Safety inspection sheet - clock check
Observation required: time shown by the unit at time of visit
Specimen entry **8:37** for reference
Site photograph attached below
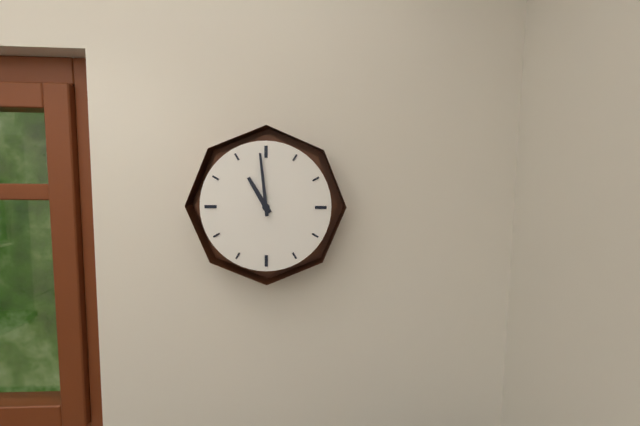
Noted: **10:59**
